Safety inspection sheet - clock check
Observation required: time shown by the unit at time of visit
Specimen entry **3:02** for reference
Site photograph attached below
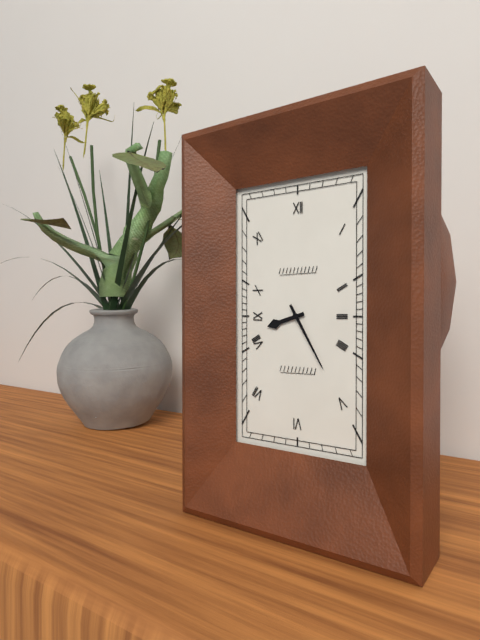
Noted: **8:25**
